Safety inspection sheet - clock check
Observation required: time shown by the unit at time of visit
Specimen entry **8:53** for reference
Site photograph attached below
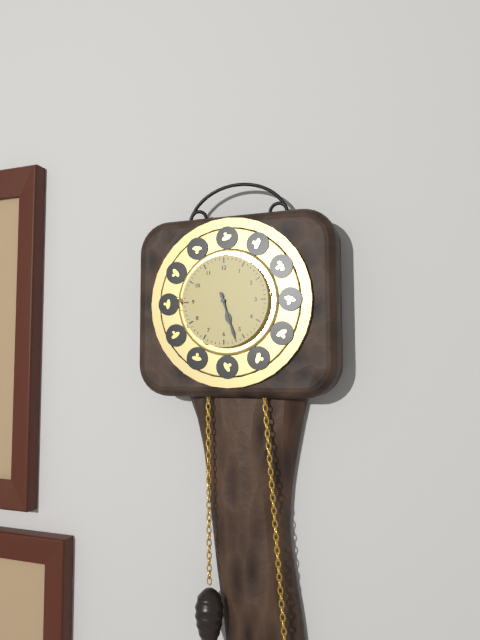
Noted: **5:27**
